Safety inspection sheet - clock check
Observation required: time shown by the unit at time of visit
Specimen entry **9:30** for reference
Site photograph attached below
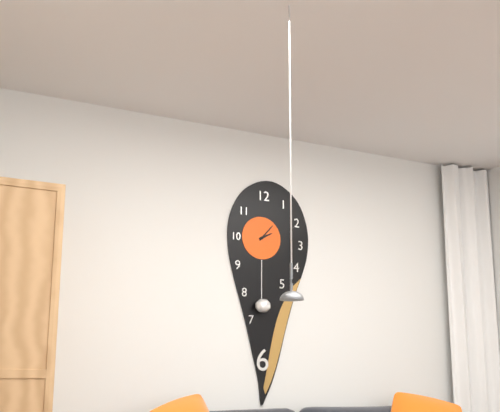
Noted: **2:07**
